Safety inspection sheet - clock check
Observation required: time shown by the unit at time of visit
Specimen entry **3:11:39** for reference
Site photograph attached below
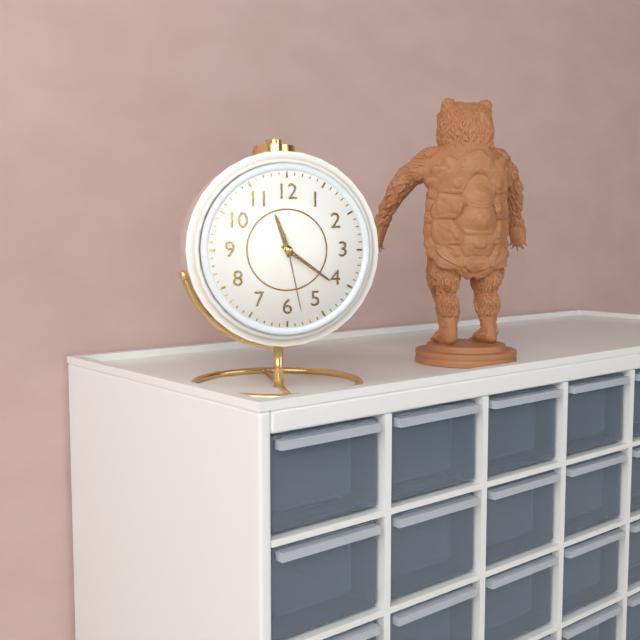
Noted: **11:21:28**
